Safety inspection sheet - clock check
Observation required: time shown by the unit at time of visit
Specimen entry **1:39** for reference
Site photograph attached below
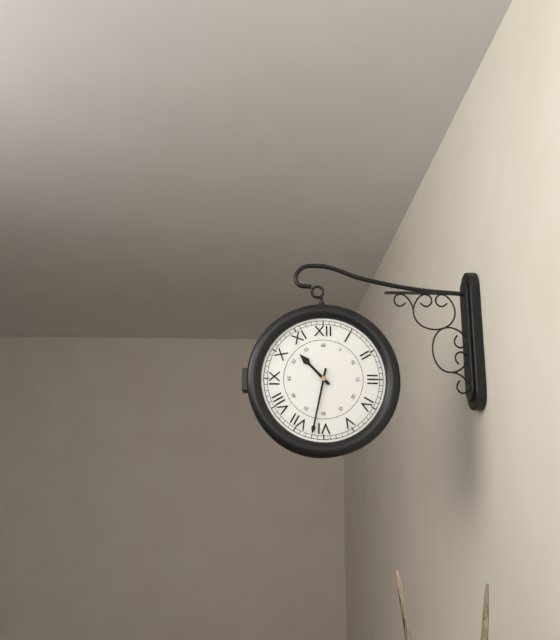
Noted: **10:32**
